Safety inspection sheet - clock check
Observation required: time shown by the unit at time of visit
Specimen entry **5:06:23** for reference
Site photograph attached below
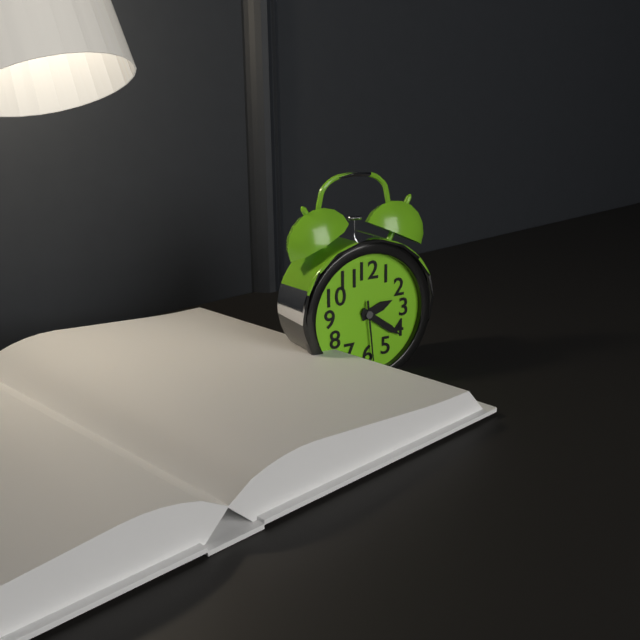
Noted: **2:21:29**
